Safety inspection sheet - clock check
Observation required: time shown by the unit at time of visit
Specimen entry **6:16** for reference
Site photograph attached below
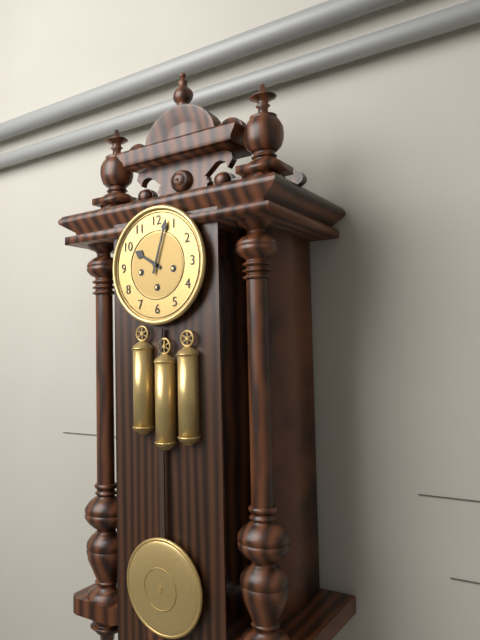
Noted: **10:03**
